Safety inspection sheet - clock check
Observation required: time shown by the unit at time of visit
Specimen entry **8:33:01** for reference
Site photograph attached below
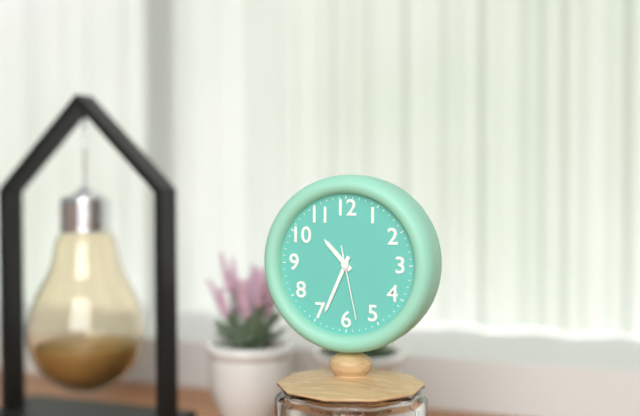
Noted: **10:34:28**
